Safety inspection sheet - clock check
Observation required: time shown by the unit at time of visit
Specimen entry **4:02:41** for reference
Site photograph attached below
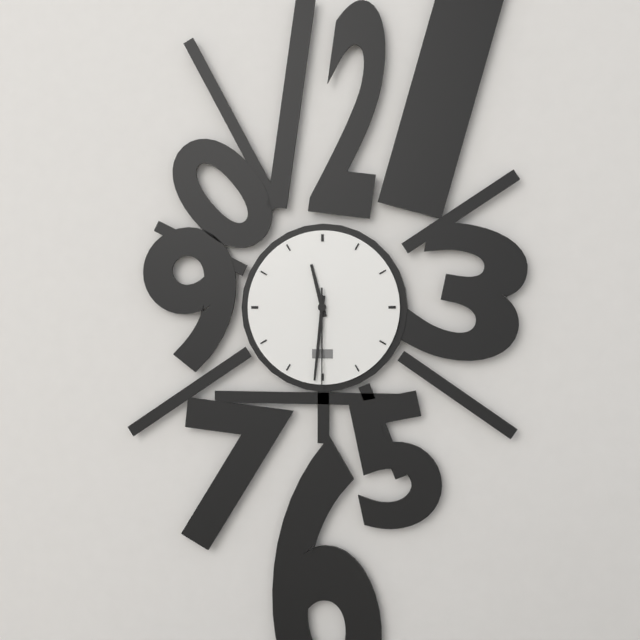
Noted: **11:31:30**
